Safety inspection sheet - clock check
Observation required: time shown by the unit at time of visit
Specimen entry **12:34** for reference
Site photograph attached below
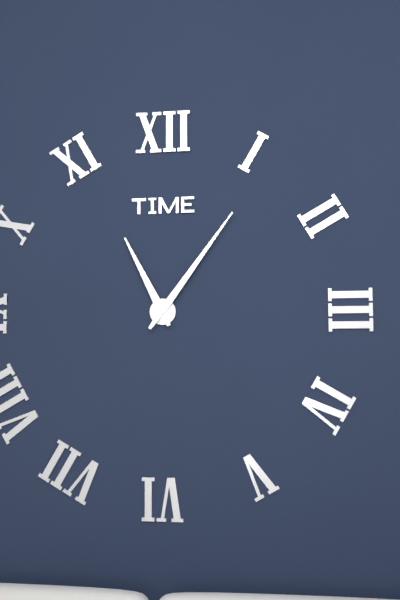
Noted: **11:06**
